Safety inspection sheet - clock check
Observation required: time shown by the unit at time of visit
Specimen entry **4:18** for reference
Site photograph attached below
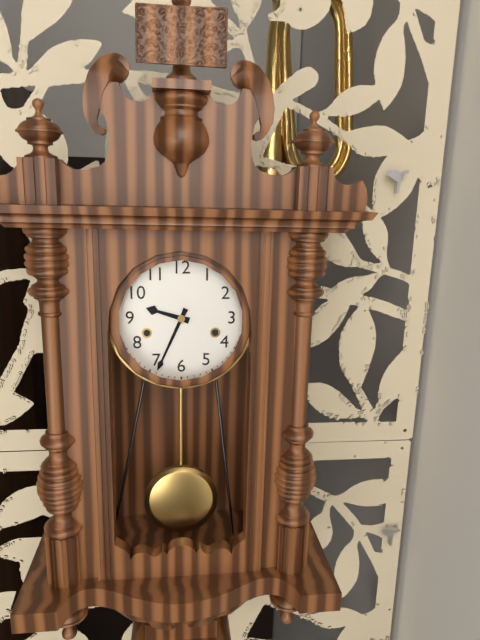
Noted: **9:34**
